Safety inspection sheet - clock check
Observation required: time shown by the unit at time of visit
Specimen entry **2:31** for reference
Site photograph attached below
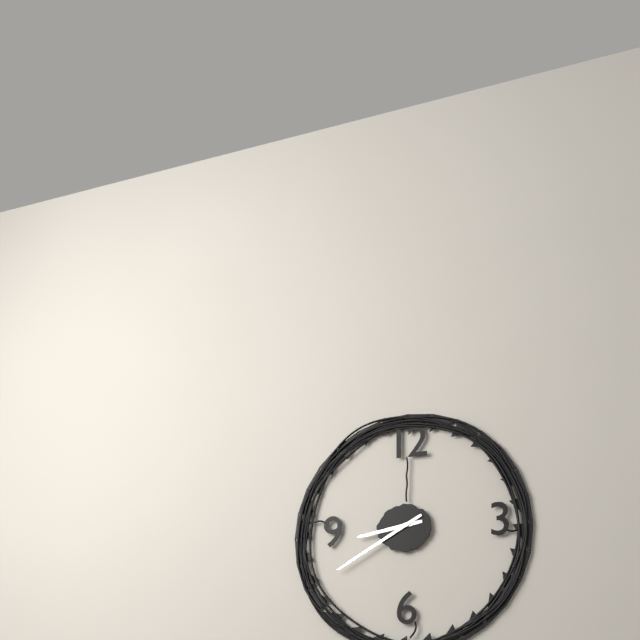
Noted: **8:40**
